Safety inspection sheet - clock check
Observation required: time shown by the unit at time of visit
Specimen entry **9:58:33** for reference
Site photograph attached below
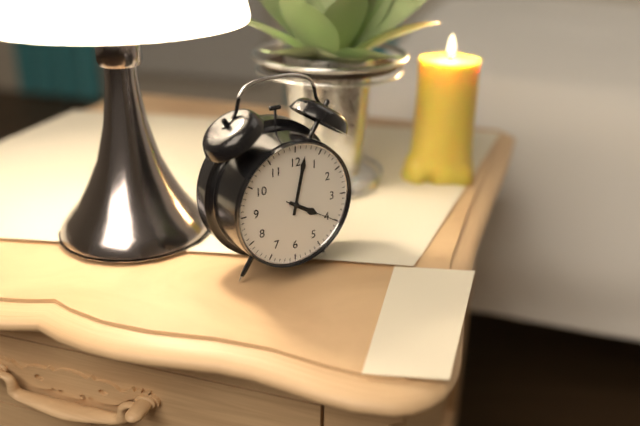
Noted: **4:02:20**
